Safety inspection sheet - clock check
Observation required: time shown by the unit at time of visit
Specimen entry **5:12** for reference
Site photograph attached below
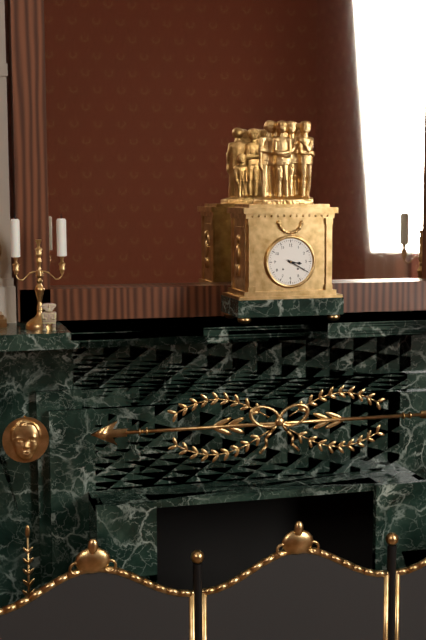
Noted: **3:20**
